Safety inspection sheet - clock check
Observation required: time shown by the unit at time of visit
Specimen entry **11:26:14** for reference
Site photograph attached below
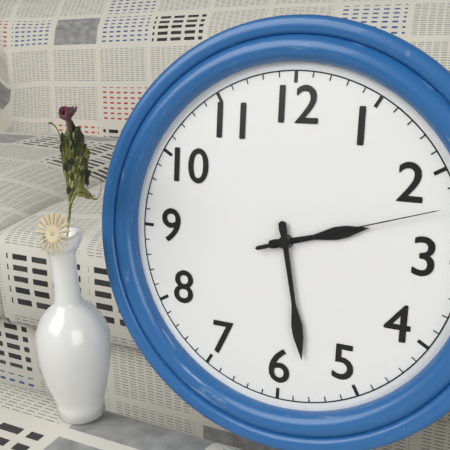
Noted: **2:28:12**
